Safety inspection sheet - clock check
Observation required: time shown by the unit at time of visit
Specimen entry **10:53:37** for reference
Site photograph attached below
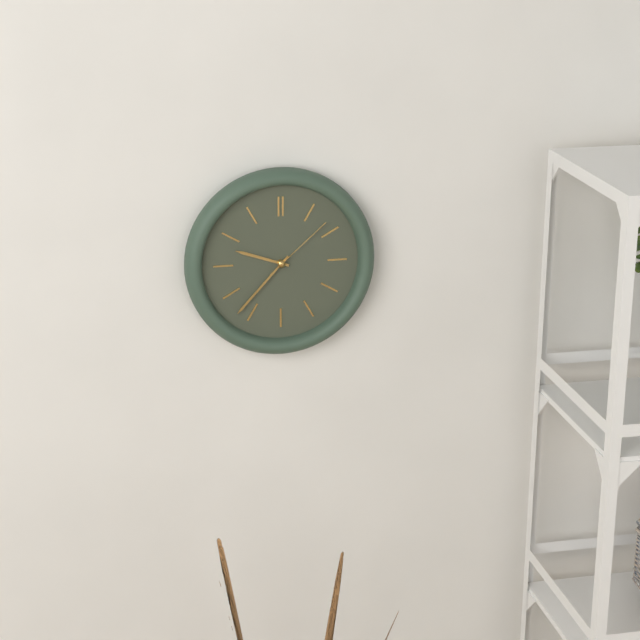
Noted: **9:37:08**
